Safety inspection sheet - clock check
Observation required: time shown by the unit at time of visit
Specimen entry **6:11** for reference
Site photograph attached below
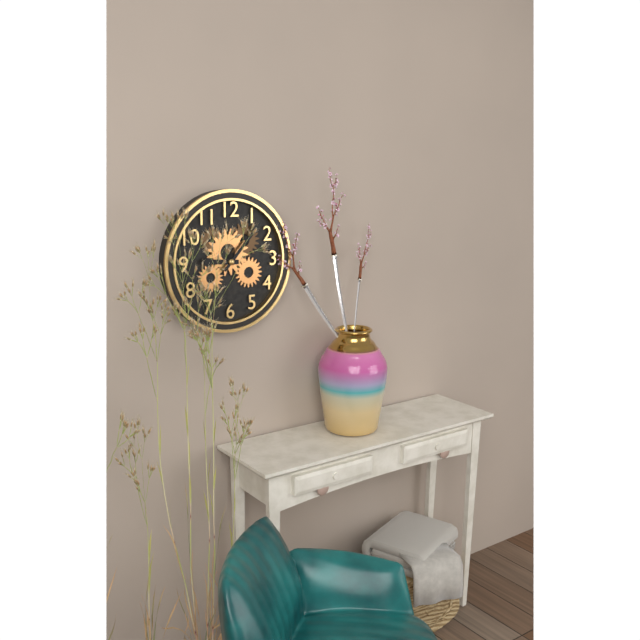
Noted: **9:07**
